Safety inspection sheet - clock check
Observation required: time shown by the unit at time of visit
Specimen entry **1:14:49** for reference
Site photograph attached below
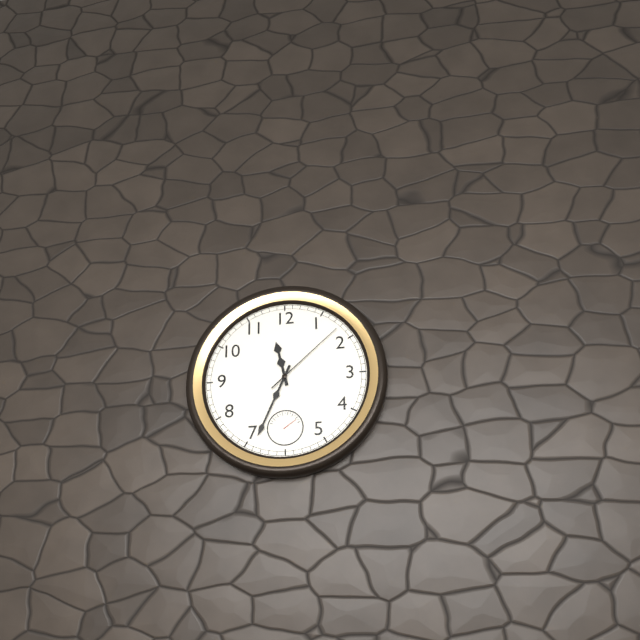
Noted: **11:34:08**
